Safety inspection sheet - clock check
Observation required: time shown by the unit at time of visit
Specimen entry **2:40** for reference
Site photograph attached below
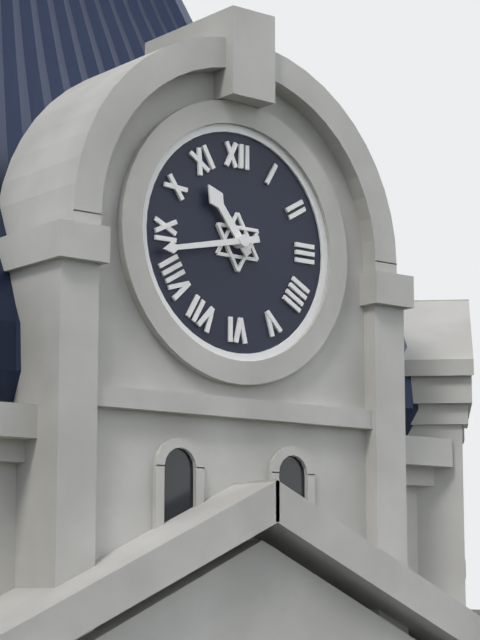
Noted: **10:43**
